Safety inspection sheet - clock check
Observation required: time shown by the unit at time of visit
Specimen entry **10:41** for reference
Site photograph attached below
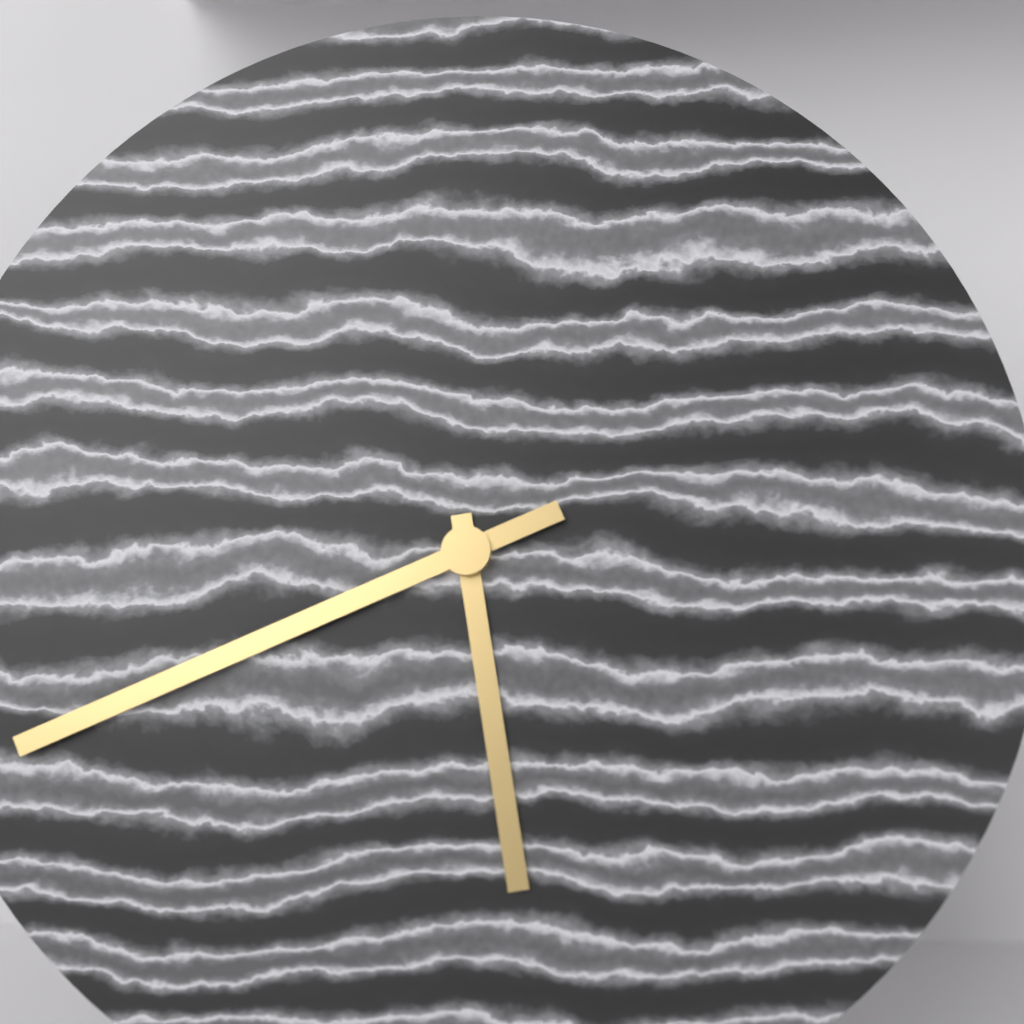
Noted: **5:41**
